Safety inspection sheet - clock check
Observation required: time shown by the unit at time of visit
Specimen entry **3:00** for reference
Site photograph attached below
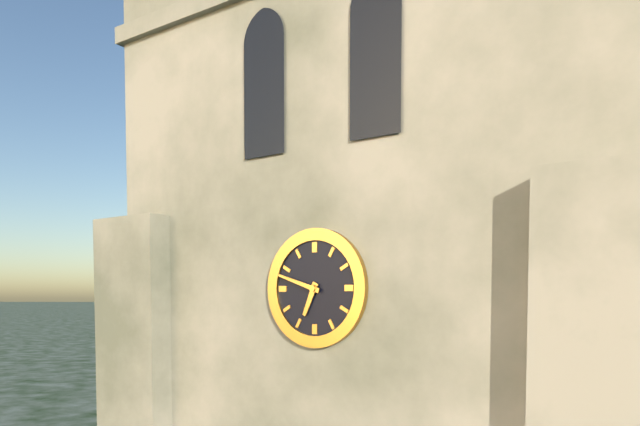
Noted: **6:48**
